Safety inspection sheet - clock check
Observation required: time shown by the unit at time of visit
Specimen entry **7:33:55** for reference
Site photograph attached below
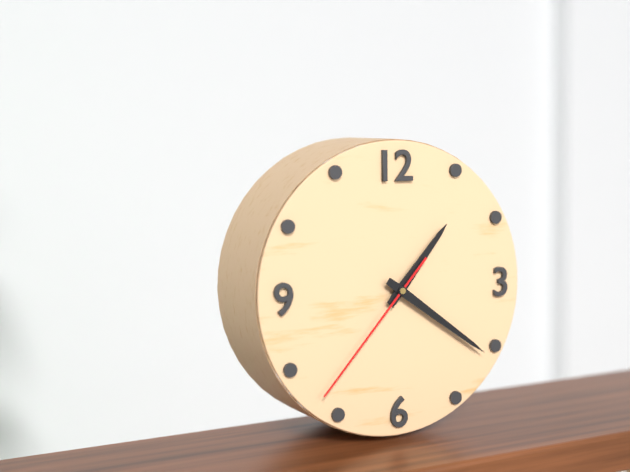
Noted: **1:21:37**
